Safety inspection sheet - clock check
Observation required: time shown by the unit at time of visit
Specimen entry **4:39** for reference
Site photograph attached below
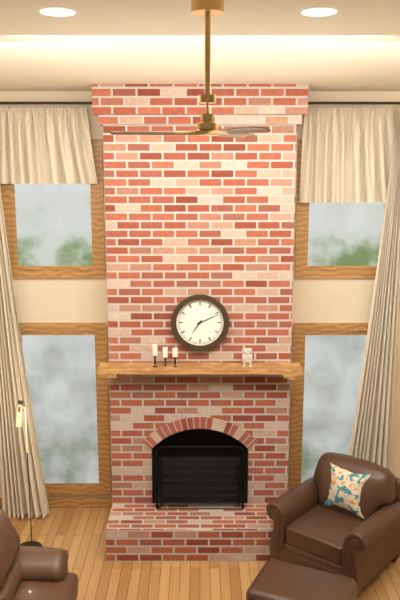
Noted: **7:11**
